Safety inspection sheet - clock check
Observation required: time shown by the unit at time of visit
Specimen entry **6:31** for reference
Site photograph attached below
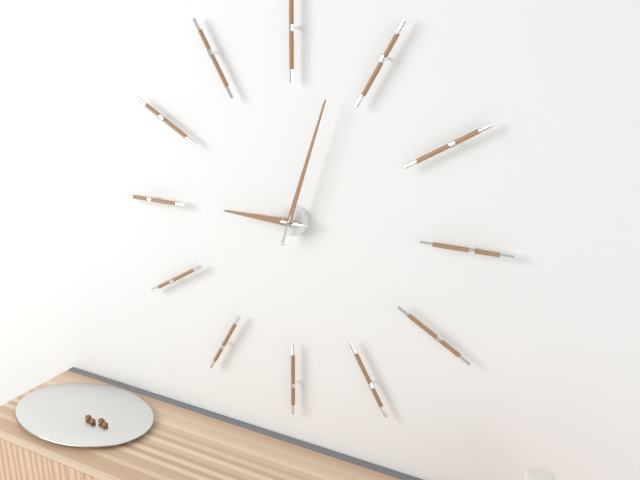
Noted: **9:03**
